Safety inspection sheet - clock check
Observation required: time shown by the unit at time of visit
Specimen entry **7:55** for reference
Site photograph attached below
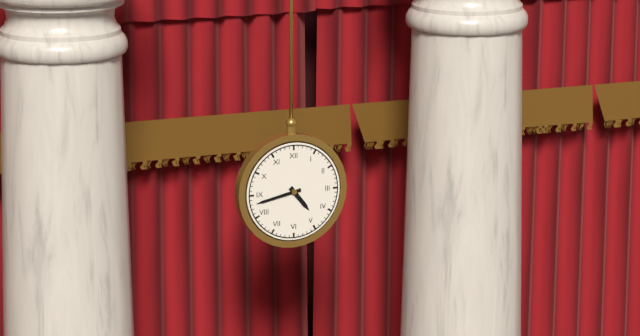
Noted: **4:43**
